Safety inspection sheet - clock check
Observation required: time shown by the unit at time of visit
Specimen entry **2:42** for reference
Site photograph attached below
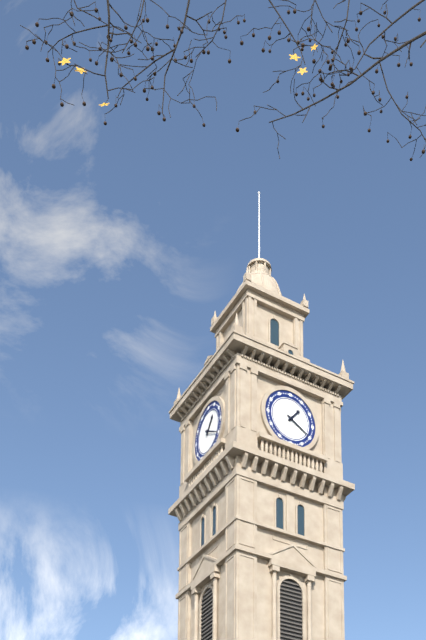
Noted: **1:20**
